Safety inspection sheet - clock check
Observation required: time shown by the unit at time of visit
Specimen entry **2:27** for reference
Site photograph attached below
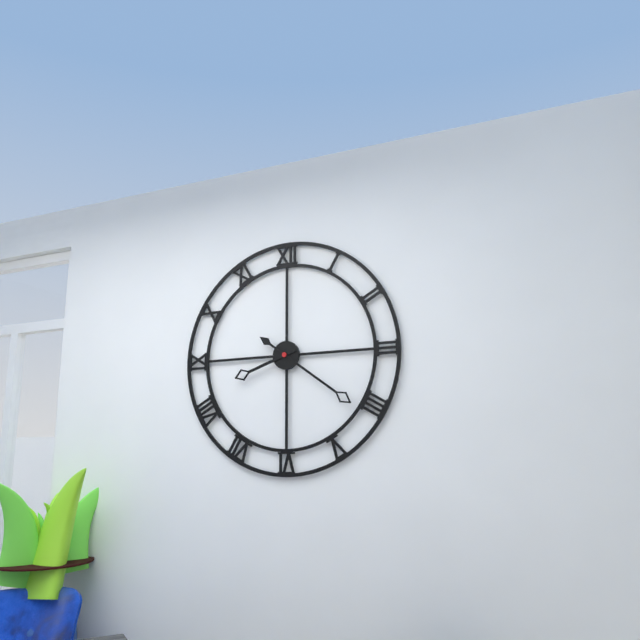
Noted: **8:21**
